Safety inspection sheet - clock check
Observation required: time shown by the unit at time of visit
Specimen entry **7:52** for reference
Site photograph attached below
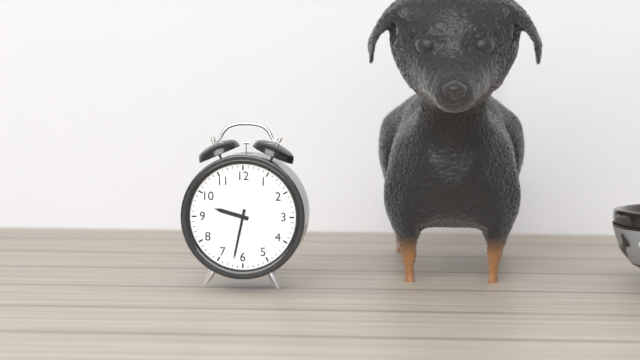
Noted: **9:32**
